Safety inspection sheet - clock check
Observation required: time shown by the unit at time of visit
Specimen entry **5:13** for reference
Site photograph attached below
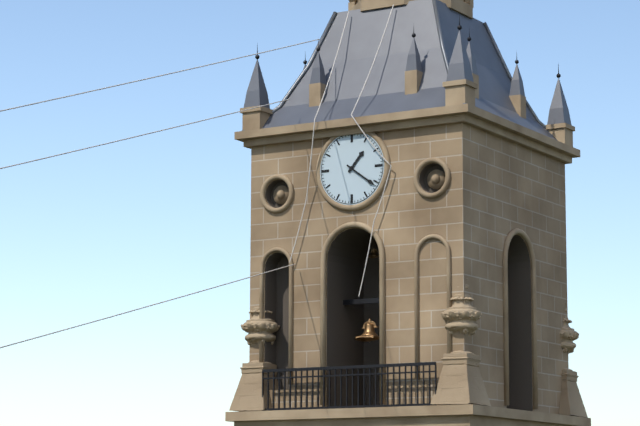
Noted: **1:21**
